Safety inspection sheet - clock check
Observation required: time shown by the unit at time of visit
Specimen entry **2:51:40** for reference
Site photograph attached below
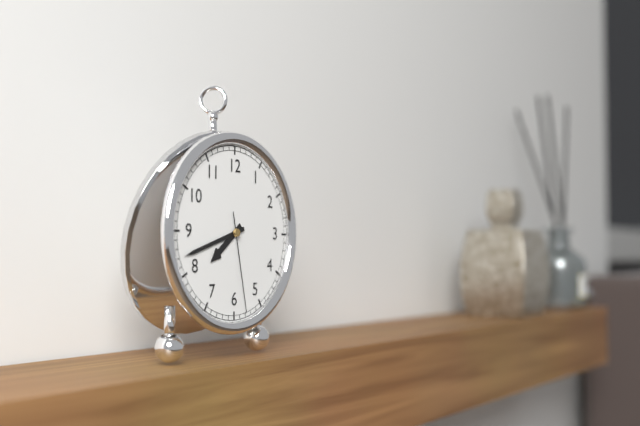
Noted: **7:42:28**
